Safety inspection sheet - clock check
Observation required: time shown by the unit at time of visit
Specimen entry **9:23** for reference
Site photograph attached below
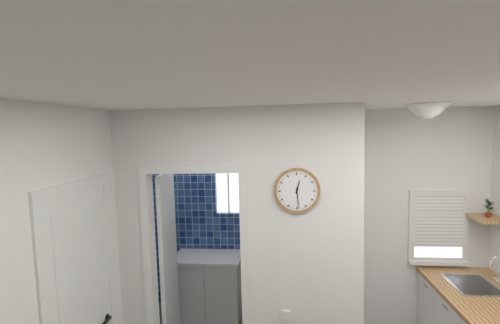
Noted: **12:29**
